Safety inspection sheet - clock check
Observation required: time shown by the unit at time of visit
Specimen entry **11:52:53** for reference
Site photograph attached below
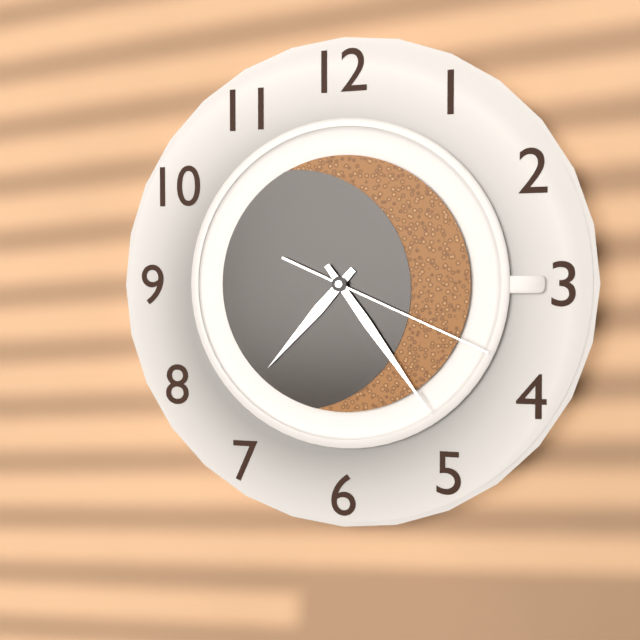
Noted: **7:24:19**
